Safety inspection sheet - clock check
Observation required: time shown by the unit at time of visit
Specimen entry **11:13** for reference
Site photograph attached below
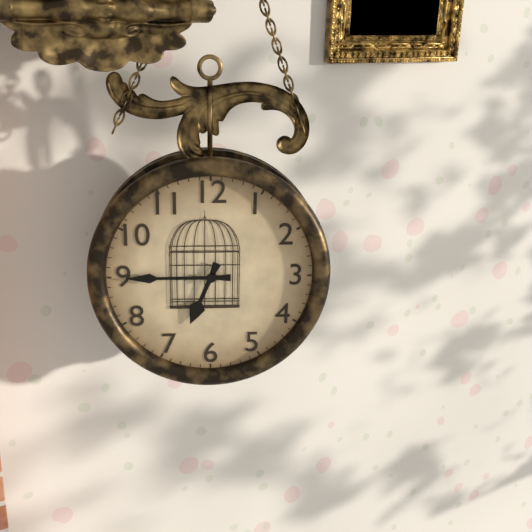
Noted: **6:45**
